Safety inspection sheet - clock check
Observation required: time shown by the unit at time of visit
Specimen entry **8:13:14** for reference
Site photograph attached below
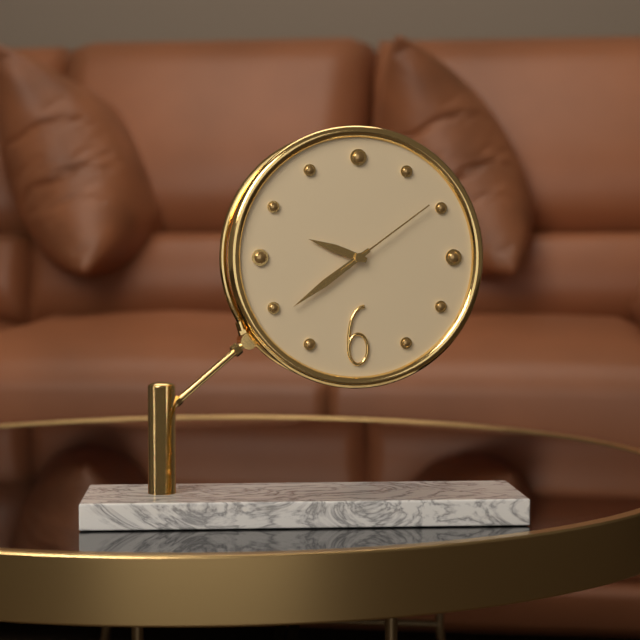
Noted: **9:39:09**
